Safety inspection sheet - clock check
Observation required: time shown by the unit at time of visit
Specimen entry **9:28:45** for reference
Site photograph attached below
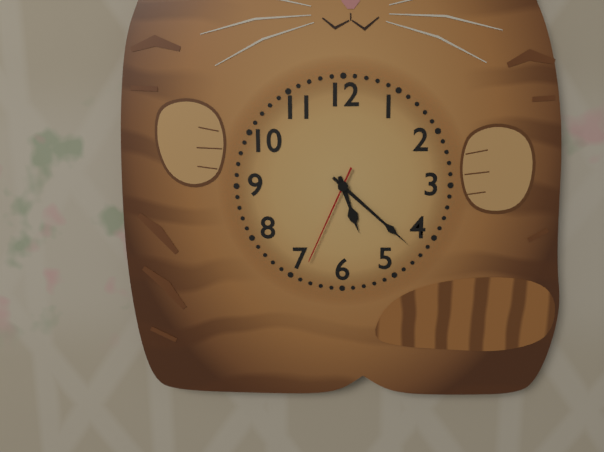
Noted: **5:22:34**
